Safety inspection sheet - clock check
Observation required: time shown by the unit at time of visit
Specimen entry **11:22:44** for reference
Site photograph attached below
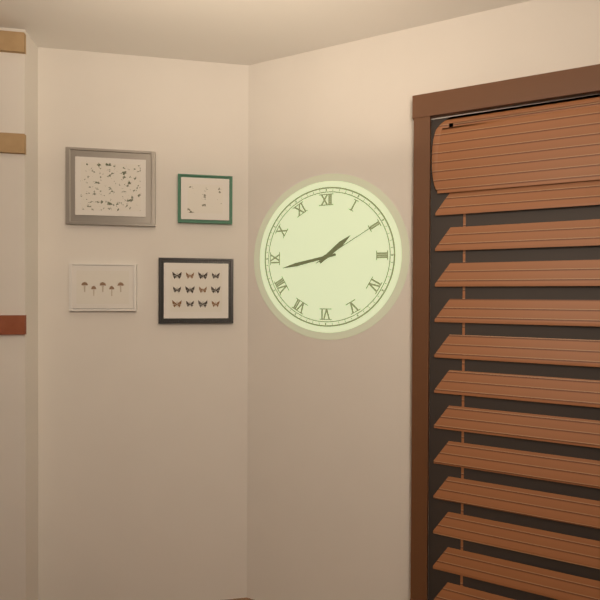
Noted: **1:43:10**
